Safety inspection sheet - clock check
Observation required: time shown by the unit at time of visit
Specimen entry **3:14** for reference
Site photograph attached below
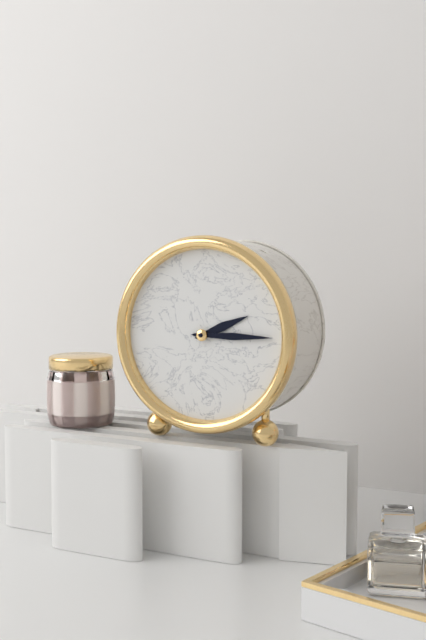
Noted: **2:15**
